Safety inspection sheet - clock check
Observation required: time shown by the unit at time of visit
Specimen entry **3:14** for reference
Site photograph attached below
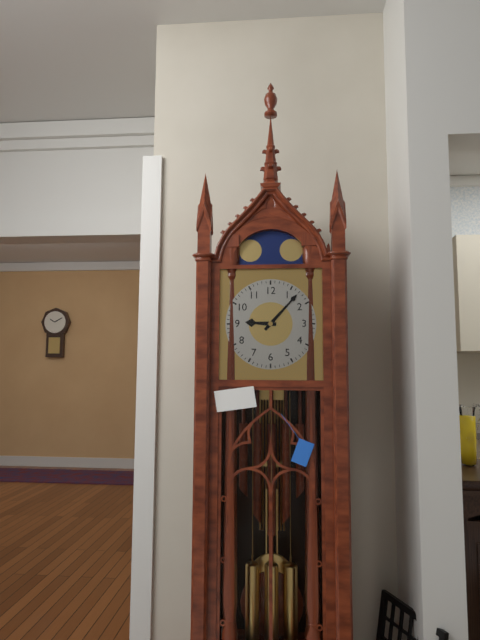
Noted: **9:07**
